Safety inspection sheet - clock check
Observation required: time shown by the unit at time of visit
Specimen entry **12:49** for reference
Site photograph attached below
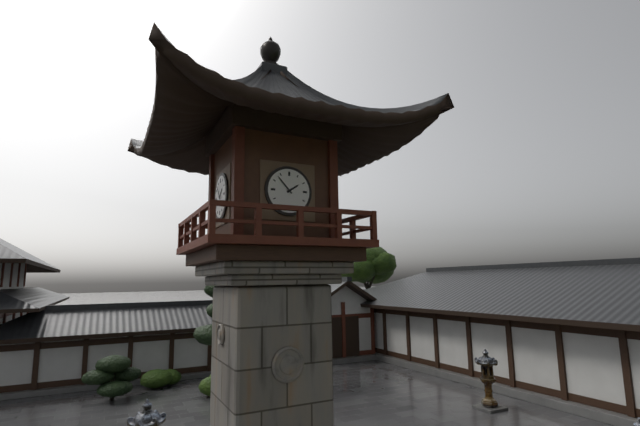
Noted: **1:53**
